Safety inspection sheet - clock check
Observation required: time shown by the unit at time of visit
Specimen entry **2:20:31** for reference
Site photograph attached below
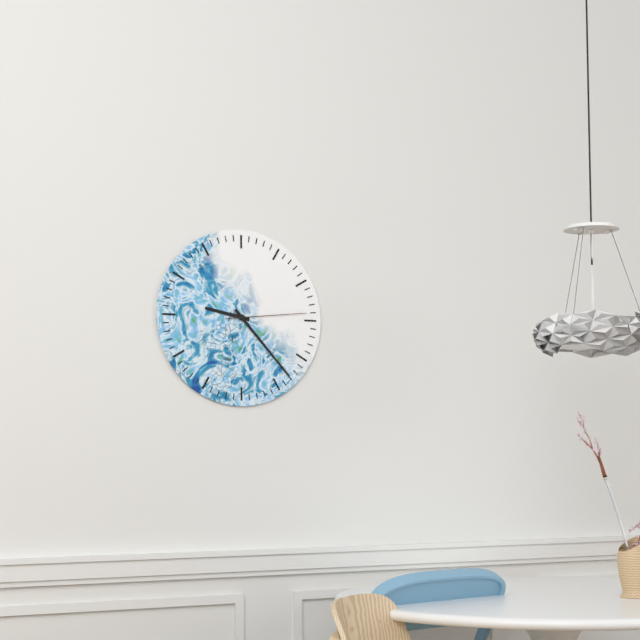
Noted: **9:23:14**
